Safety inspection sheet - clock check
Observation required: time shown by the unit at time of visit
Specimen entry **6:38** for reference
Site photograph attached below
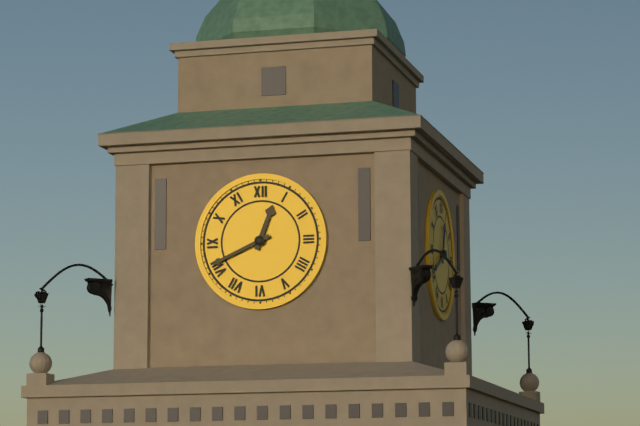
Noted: **12:41**
